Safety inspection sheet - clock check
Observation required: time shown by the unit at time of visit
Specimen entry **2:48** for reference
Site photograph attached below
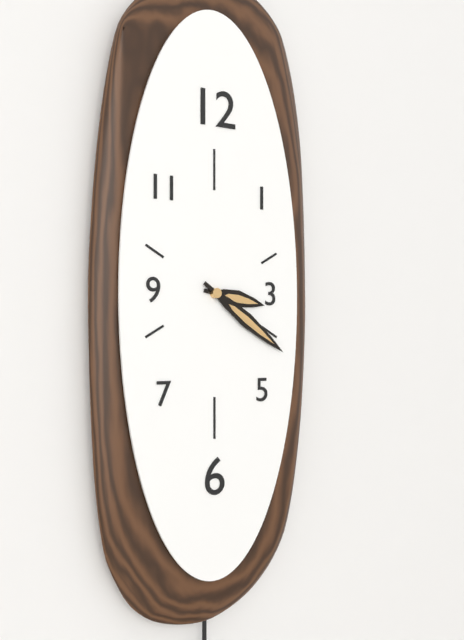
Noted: **3:21**
